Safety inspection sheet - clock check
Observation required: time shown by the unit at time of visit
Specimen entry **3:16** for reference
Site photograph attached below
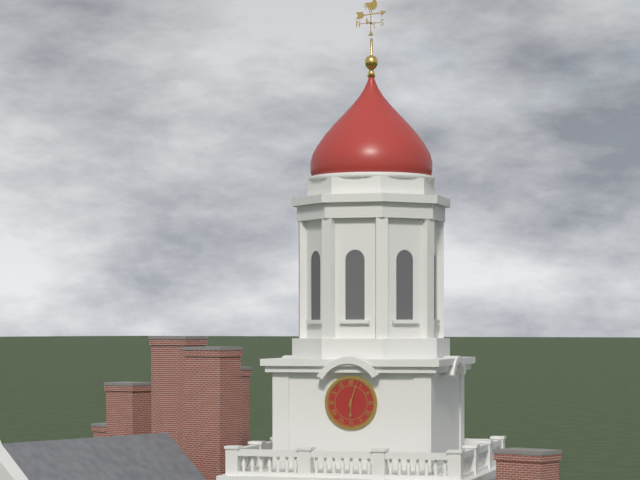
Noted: **6:03**
